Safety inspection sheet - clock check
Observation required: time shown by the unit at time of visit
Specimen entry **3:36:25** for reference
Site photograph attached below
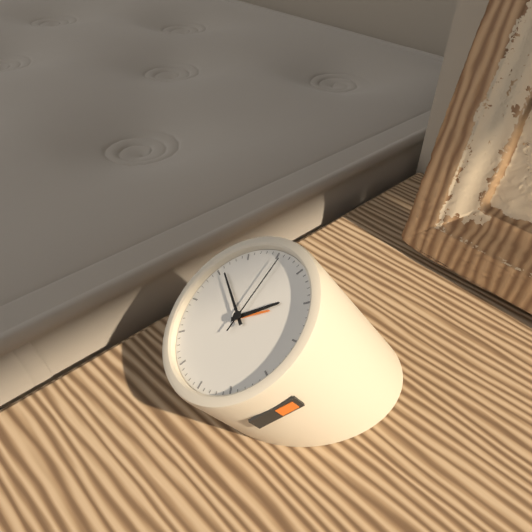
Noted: **12:46:56**
